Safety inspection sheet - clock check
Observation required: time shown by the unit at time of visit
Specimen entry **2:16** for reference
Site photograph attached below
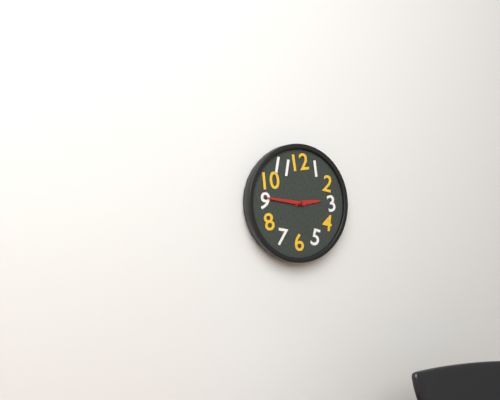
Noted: **2:46**
